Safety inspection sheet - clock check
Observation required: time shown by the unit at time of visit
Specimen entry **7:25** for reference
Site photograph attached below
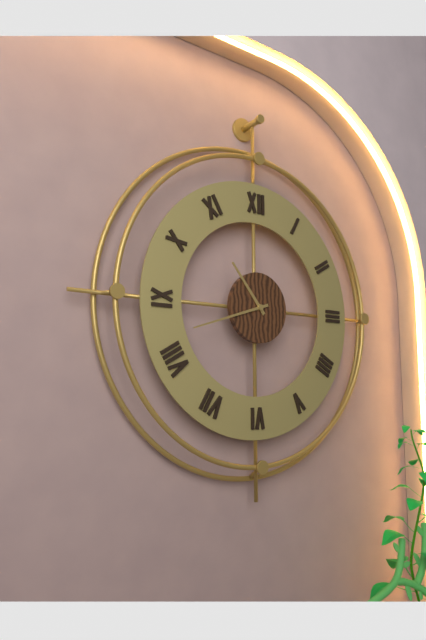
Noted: **10:42**
